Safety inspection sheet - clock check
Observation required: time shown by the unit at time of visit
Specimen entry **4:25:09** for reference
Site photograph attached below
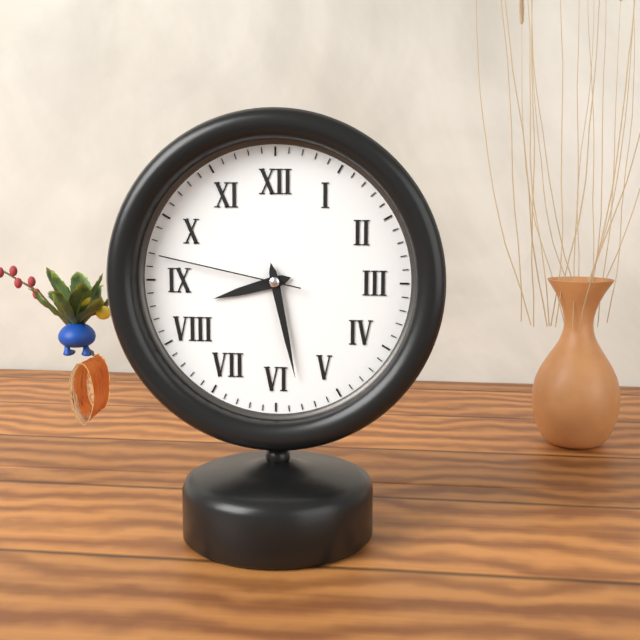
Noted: **8:28:47**
